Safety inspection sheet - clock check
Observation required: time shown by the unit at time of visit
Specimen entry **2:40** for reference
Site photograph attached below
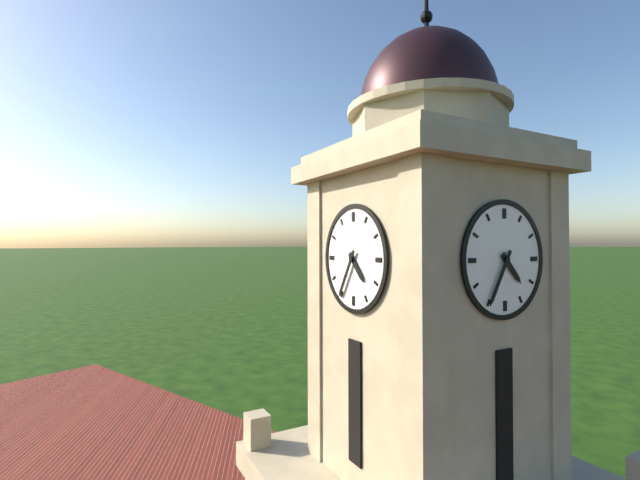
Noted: **4:35**
